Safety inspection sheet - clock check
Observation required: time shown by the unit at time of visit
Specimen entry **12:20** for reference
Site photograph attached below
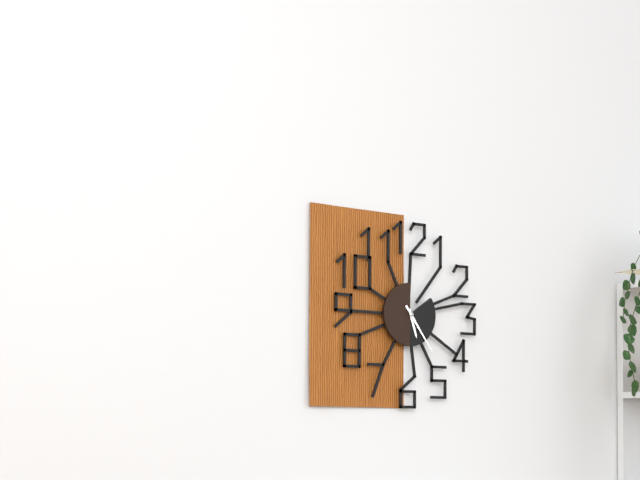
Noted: **5:24**
